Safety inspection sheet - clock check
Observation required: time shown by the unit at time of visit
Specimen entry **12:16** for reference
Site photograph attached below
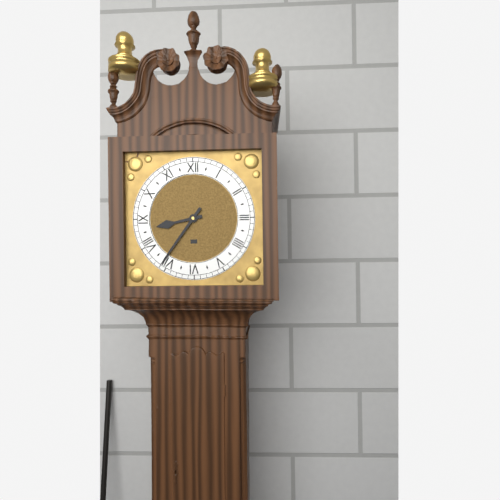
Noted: **8:36**
